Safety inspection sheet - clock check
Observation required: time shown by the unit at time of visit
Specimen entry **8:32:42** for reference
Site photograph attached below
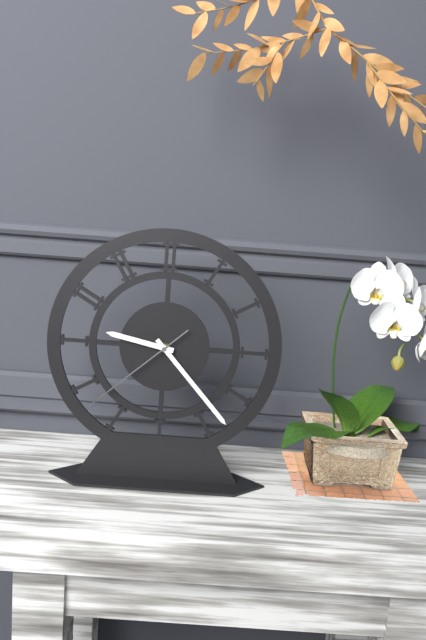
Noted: **9:23:38**
